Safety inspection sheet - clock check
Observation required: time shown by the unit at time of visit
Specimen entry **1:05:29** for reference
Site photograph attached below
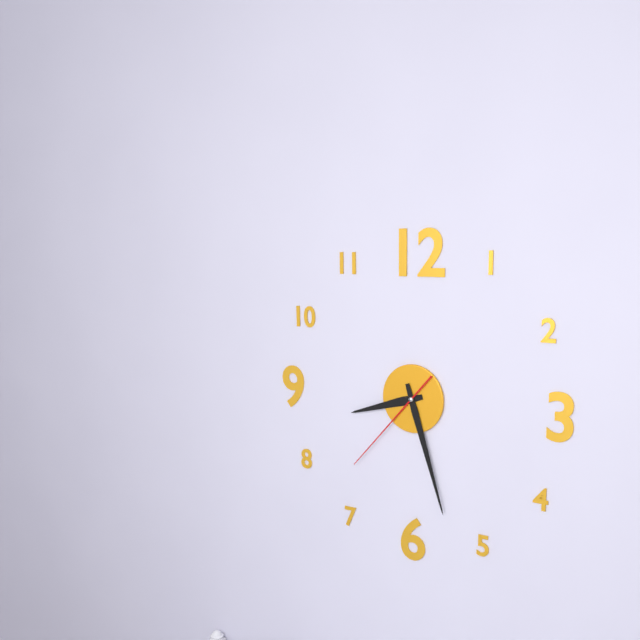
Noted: **8:27:37**
